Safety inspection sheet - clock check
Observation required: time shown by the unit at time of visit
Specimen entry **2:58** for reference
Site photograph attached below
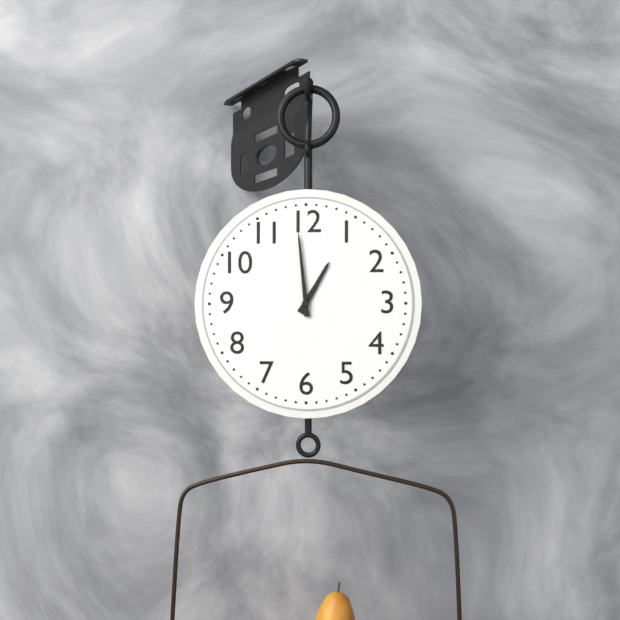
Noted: **12:59**
